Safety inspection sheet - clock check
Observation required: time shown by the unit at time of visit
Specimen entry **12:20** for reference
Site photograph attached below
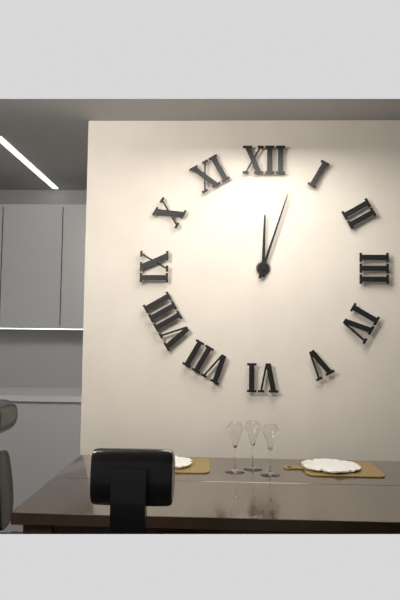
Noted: **12:03**
